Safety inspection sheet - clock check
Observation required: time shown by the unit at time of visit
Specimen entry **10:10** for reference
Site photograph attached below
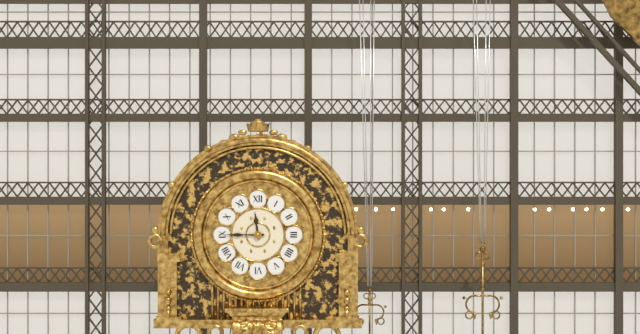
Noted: **11:45**
